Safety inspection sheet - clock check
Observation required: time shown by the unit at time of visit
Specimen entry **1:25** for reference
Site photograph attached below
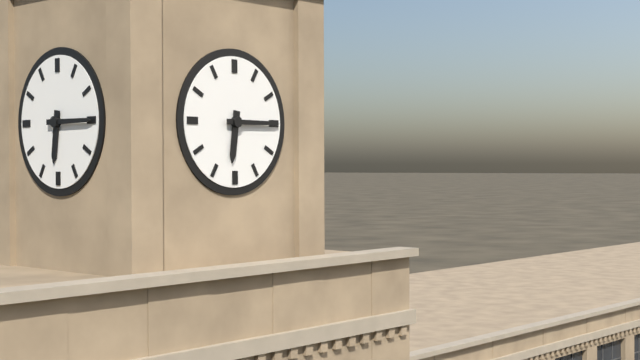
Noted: **6:15**
